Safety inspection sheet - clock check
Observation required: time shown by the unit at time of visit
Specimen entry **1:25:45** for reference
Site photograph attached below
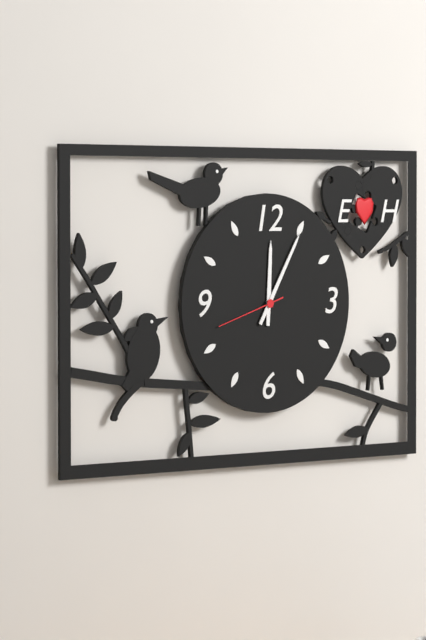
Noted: **12:05:42**
